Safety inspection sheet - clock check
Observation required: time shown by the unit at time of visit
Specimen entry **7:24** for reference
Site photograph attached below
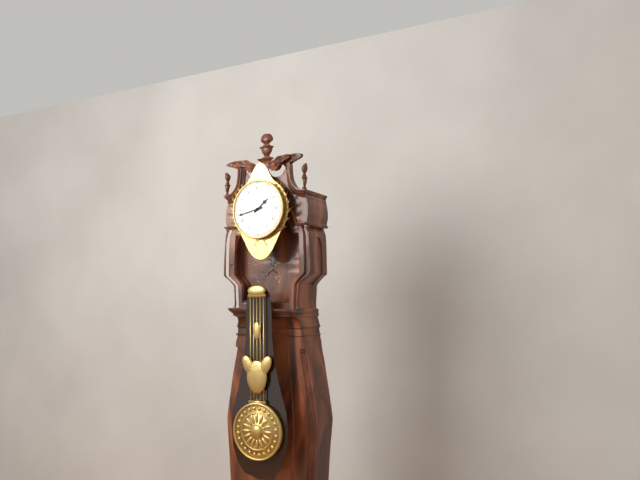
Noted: **1:43**
